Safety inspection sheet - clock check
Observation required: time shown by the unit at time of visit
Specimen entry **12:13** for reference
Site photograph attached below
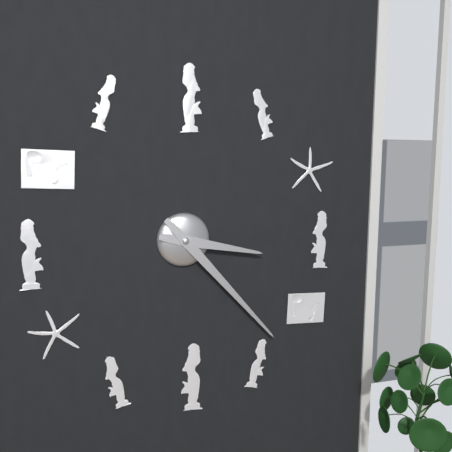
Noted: **3:23**
